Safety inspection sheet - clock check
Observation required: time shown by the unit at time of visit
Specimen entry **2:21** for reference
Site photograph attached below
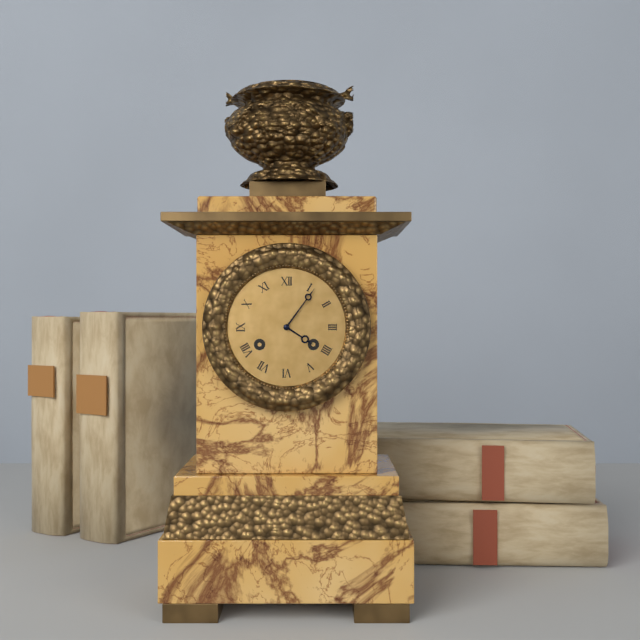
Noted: **4:06**
